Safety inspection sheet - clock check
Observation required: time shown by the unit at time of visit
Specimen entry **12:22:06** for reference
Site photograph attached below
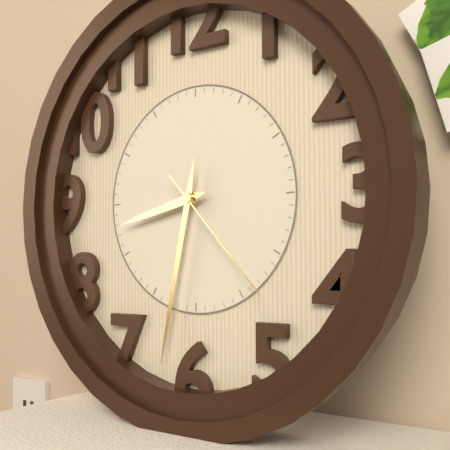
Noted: **8:32:23**
